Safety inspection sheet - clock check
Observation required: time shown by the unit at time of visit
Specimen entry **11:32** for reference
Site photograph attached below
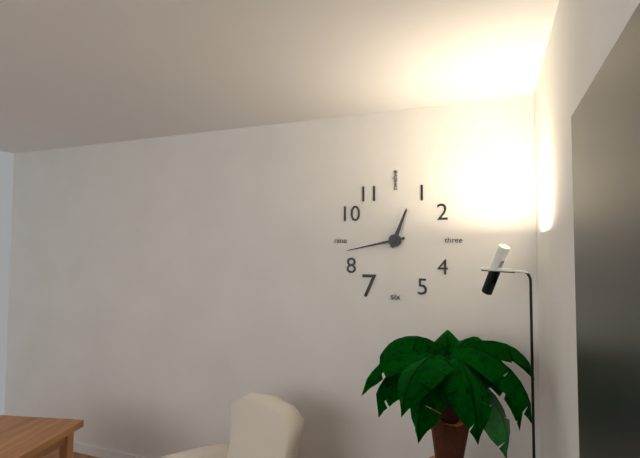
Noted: **12:43**
